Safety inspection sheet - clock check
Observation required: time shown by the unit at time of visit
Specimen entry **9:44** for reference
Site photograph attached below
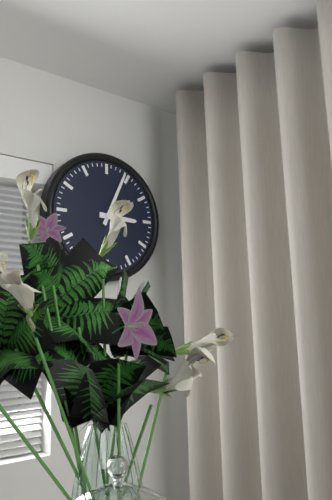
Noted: **3:04**
